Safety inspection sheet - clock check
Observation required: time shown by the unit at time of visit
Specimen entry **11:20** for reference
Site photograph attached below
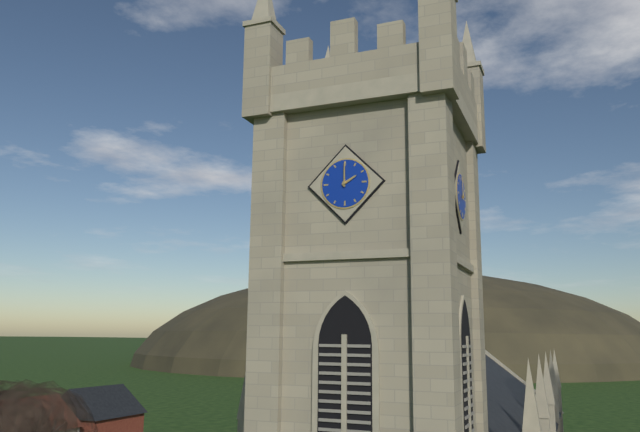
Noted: **2:00**
